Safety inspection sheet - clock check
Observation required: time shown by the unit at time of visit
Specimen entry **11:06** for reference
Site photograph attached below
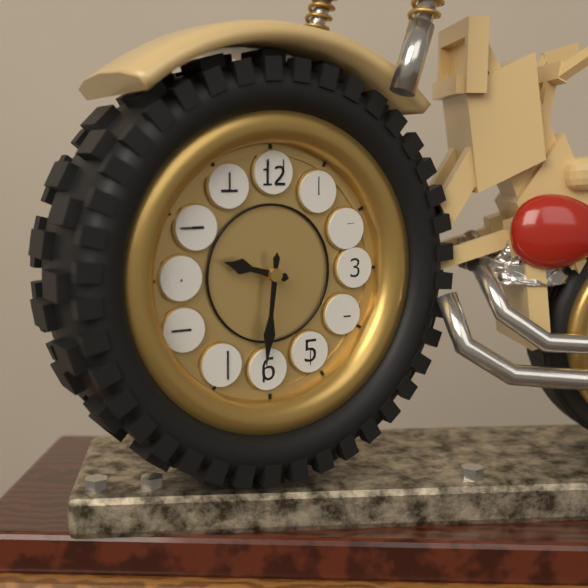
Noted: **9:31**
